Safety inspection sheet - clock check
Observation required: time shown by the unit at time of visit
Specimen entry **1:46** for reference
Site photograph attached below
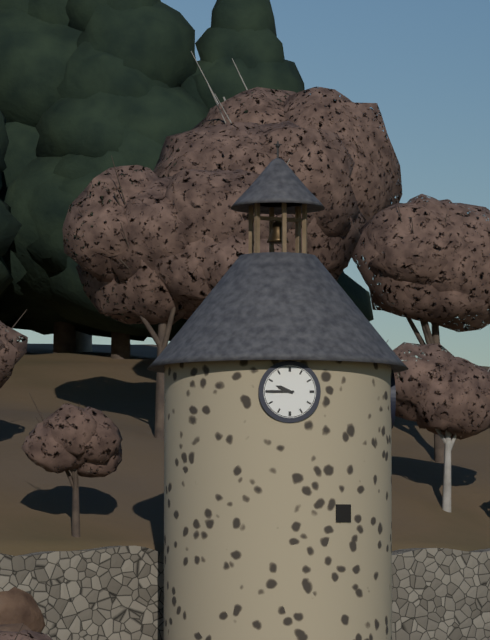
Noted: **9:45**
